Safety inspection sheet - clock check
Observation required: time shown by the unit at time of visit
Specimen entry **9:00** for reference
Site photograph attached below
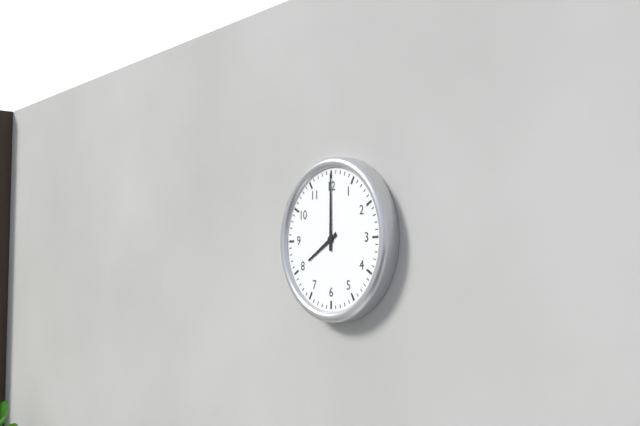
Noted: **8:00**
